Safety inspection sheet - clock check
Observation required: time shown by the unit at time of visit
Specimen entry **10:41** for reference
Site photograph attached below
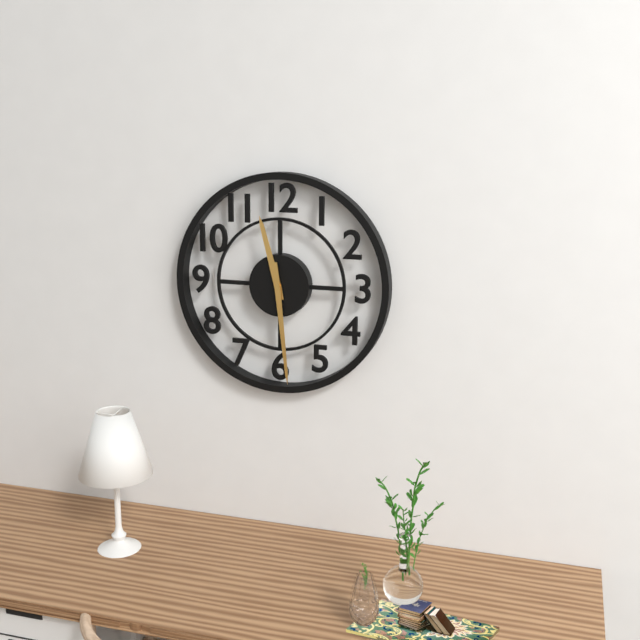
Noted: **11:29**
